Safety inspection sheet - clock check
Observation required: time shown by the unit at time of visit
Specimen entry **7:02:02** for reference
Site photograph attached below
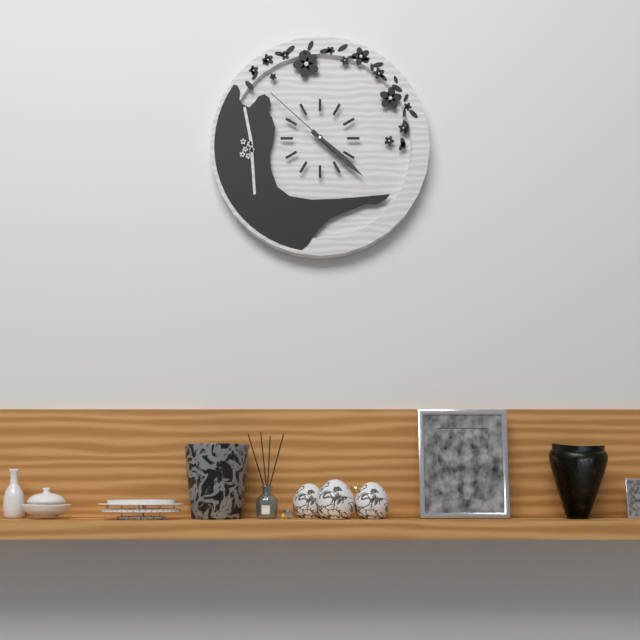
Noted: **4:22:52**
